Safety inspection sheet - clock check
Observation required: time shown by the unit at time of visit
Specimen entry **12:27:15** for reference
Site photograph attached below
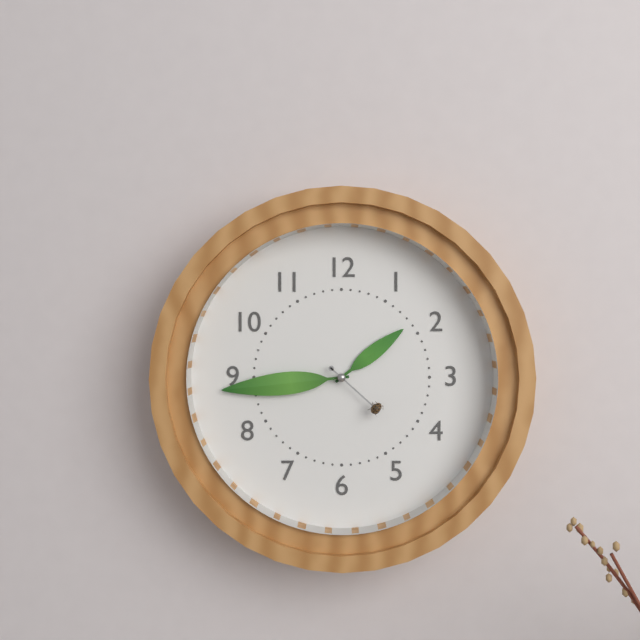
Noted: **1:44:22**
